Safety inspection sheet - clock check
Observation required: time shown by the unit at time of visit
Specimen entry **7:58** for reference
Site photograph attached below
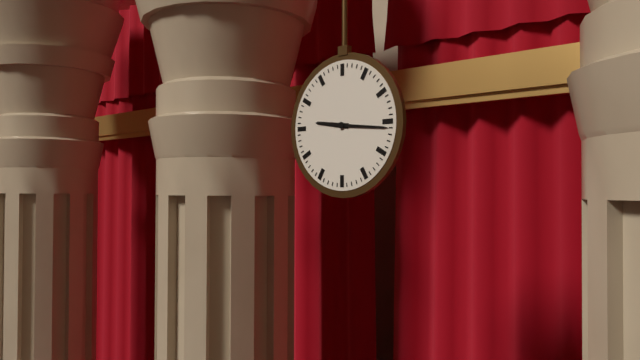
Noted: **9:16**
